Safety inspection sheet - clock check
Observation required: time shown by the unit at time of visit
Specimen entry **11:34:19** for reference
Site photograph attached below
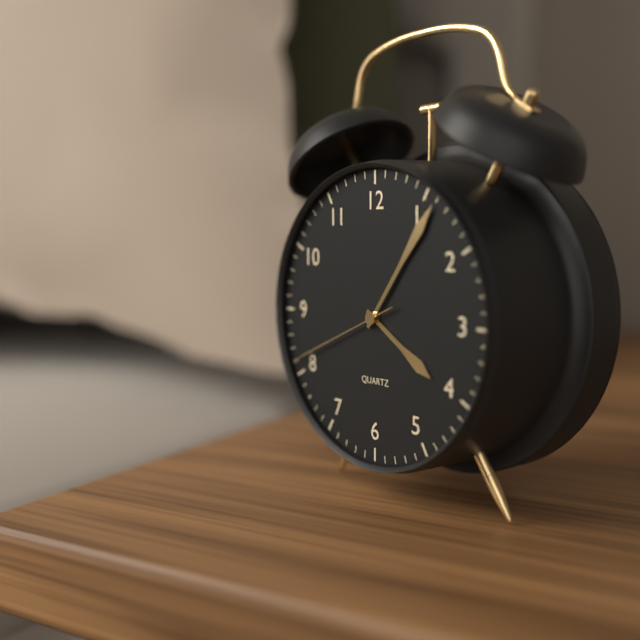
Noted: **4:06:41**
